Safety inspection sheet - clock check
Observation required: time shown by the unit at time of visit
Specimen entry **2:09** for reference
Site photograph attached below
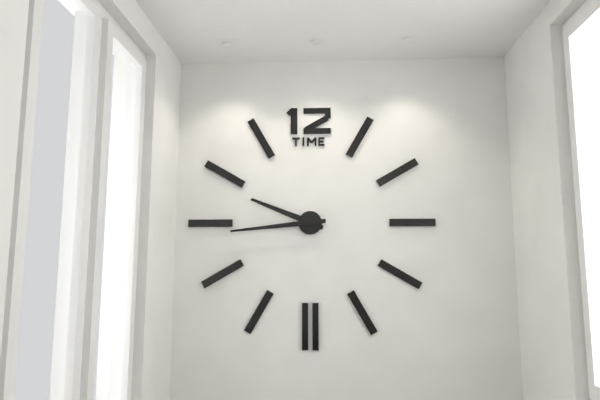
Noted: **9:44**
